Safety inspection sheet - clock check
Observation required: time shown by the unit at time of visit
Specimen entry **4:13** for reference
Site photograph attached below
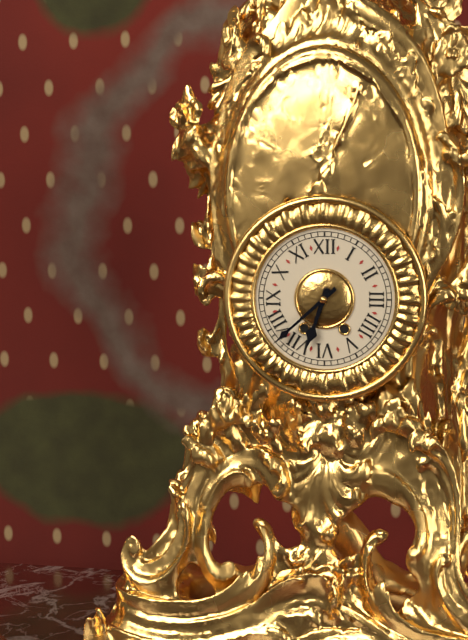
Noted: **6:38**
